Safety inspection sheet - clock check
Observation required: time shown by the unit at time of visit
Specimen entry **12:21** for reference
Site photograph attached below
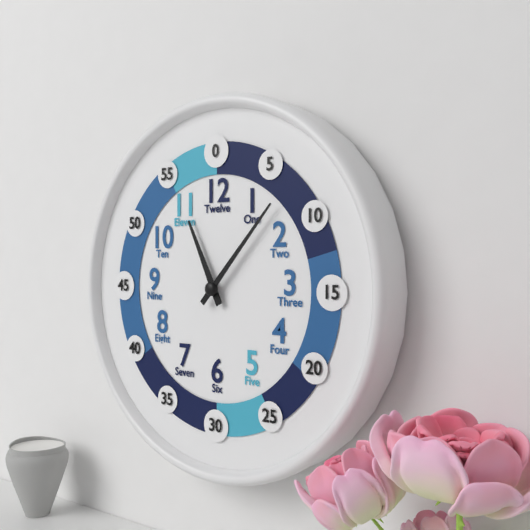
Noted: **11:07**
